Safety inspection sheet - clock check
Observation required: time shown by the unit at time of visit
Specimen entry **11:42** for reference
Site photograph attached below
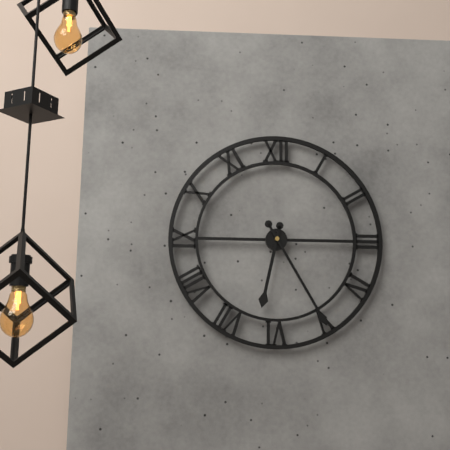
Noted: **6:25**
